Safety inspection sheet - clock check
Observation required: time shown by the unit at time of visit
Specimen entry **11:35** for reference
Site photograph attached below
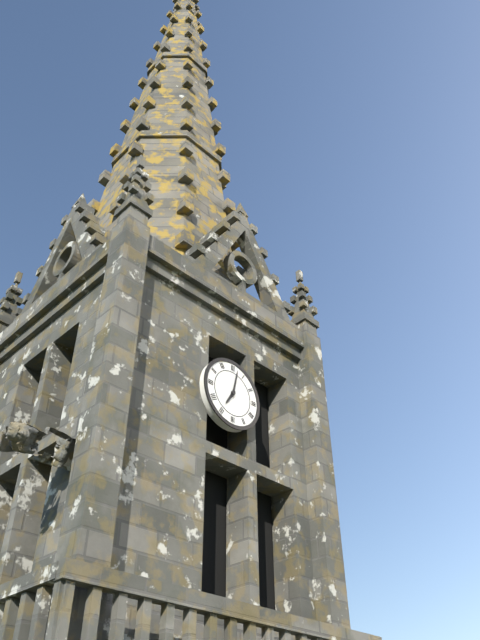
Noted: **7:02**
